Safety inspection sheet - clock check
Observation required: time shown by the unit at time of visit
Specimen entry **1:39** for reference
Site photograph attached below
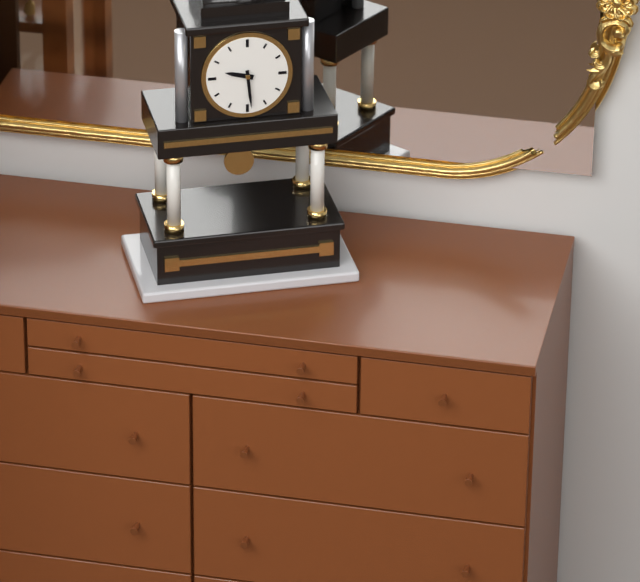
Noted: **9:29**
